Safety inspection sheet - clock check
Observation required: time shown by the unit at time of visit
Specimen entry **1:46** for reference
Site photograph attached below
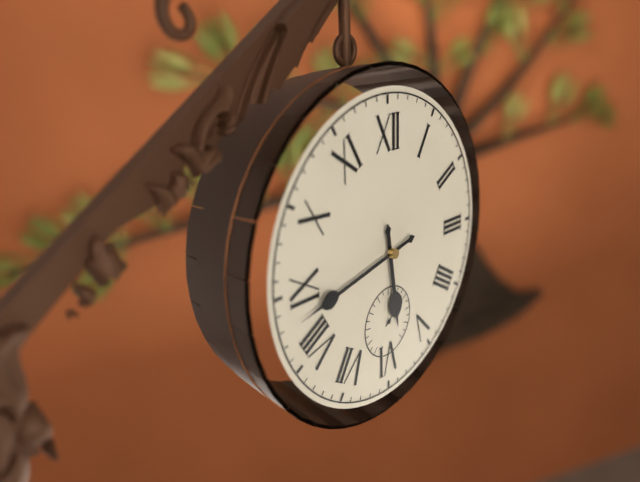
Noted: **5:43**
